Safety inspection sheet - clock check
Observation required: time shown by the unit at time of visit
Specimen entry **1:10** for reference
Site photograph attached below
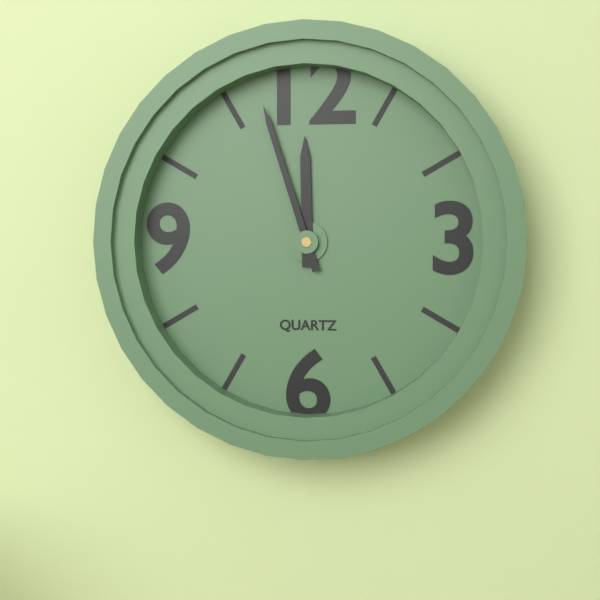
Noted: **11:57**
